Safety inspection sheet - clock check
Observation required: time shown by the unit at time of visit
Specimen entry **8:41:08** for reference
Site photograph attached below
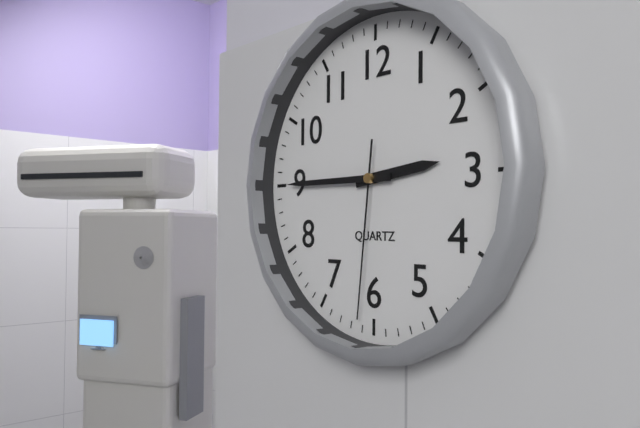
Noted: **2:45:31**
